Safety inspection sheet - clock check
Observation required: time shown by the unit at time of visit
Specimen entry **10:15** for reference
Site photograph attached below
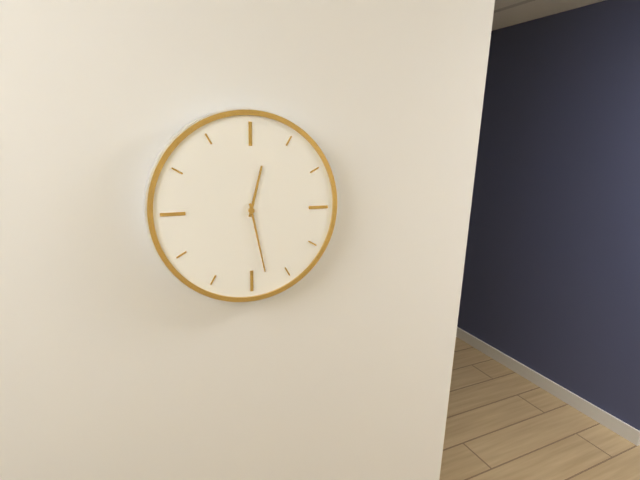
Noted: **12:28**
